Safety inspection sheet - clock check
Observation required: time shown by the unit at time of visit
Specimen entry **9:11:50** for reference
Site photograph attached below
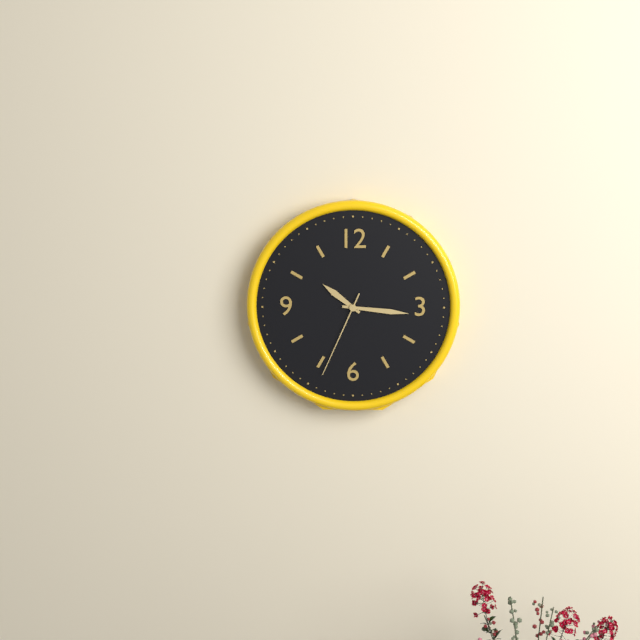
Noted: **10:16:34**
